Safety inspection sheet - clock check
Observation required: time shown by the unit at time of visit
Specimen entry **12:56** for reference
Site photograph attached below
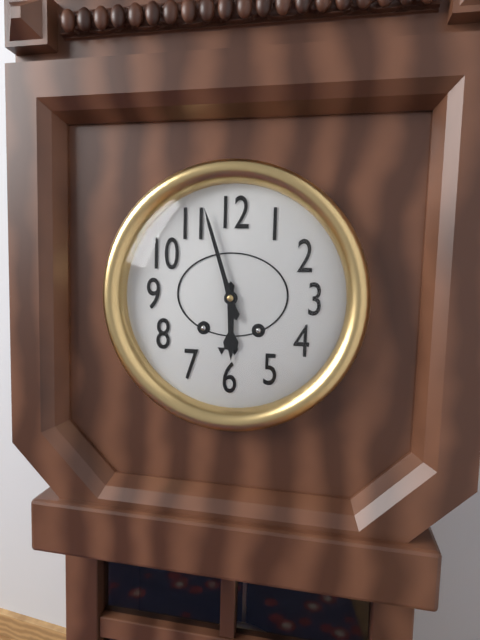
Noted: **5:57**
